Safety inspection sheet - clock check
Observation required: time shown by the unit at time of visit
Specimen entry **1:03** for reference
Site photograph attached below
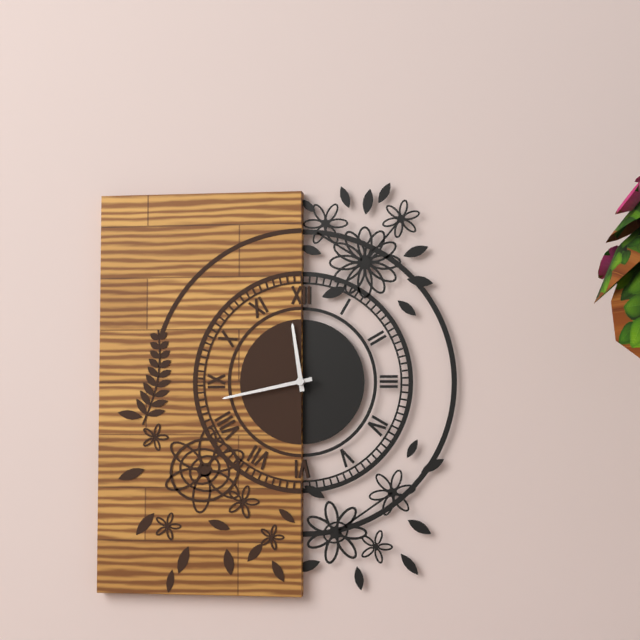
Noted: **11:43**
